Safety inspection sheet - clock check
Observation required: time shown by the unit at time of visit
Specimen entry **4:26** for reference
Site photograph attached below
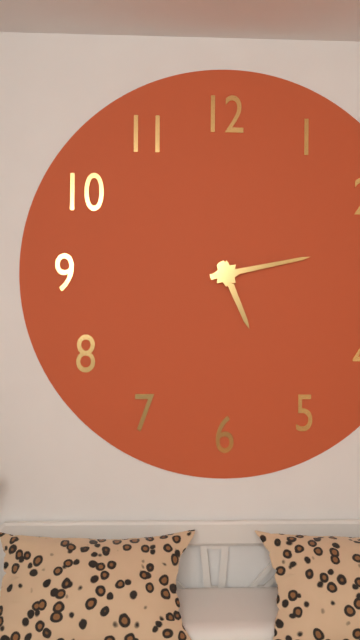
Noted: **5:13**
